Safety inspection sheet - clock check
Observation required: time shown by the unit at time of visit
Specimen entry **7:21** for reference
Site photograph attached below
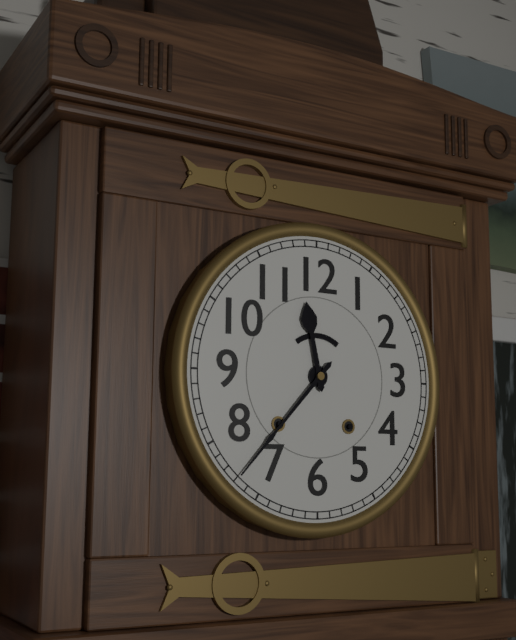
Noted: **11:37**
